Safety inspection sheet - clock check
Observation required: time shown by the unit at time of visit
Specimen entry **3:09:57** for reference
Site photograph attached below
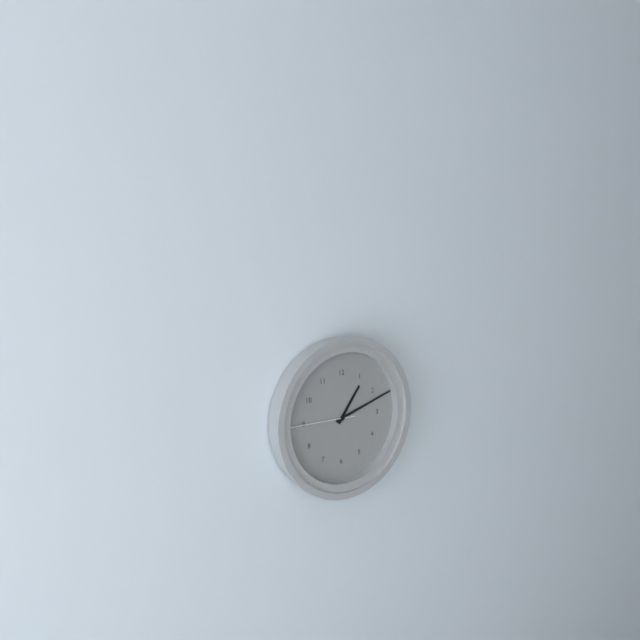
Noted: **1:12:45**
